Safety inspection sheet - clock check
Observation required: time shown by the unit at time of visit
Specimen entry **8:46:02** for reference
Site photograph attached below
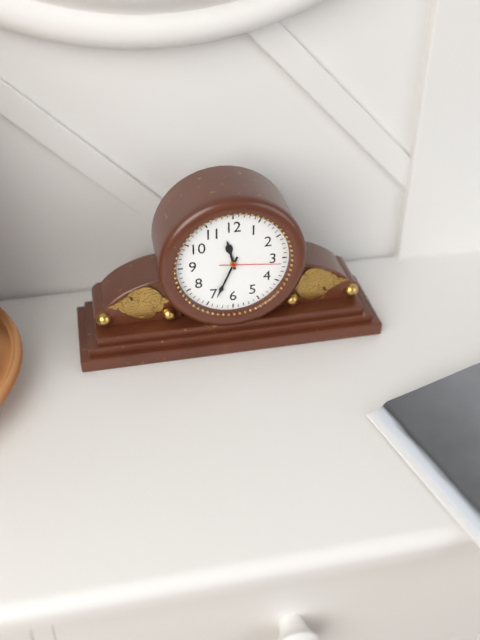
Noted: **11:34:16**
